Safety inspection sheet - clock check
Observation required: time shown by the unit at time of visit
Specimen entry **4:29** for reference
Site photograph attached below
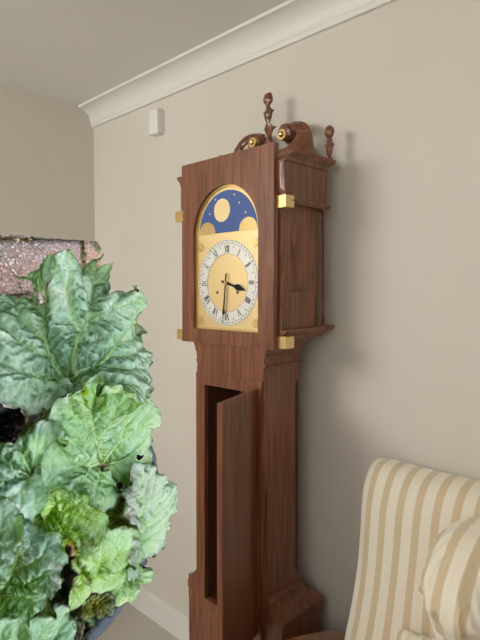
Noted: **3:31**
